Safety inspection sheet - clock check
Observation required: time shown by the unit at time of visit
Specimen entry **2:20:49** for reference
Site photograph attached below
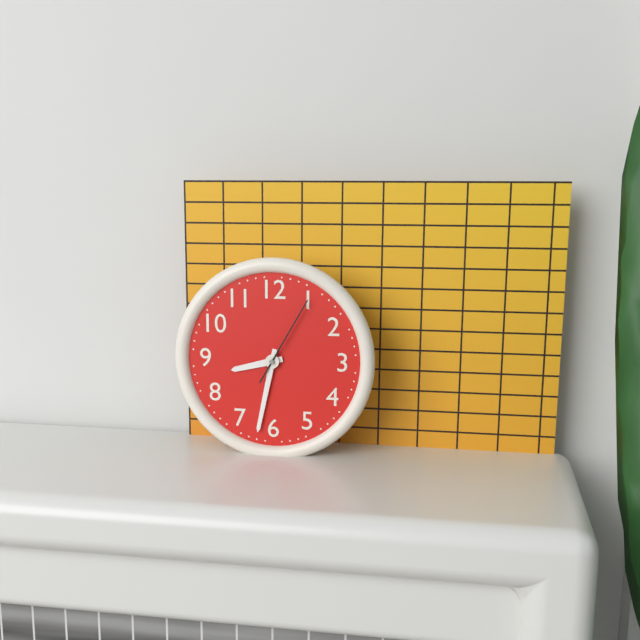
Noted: **8:32:05**
